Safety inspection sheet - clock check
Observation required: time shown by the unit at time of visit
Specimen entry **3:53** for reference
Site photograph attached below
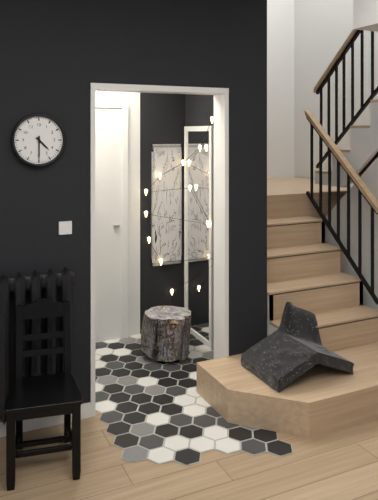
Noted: **4:30**
